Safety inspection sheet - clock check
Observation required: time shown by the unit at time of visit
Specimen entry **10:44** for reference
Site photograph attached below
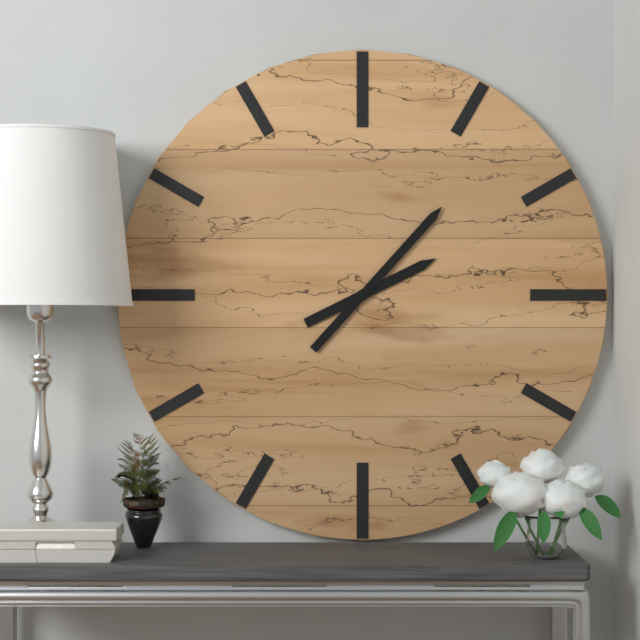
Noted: **2:07**
